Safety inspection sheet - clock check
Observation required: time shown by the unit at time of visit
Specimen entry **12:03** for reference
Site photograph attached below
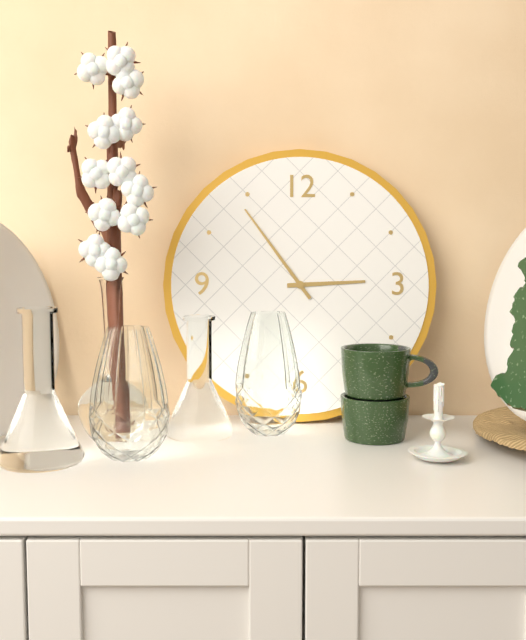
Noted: **2:54**
